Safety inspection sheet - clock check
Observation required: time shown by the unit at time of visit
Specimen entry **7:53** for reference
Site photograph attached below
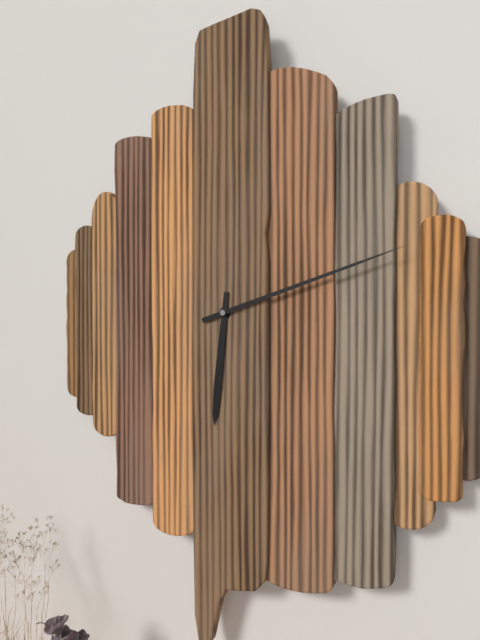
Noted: **6:12**
